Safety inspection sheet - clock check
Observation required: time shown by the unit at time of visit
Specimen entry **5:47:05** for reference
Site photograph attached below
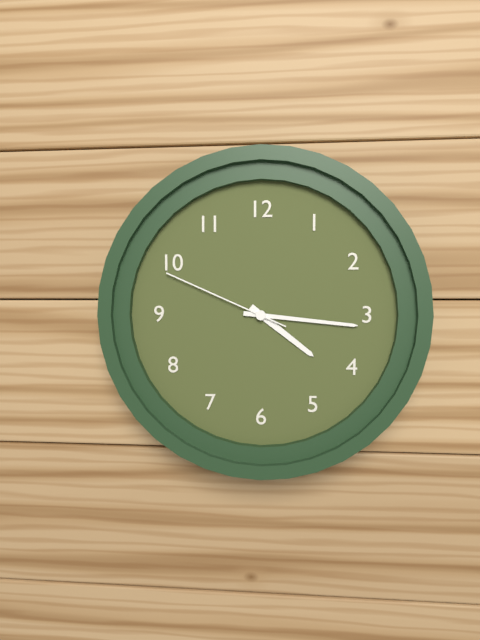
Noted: **4:16:49**
